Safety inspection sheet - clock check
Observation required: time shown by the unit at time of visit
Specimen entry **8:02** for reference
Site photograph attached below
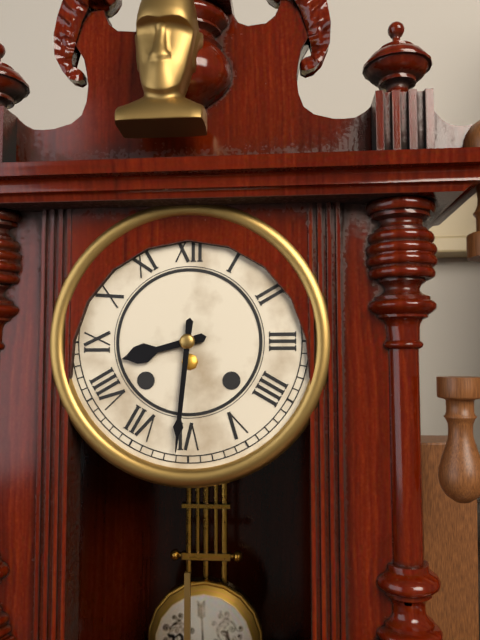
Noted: **8:31**
